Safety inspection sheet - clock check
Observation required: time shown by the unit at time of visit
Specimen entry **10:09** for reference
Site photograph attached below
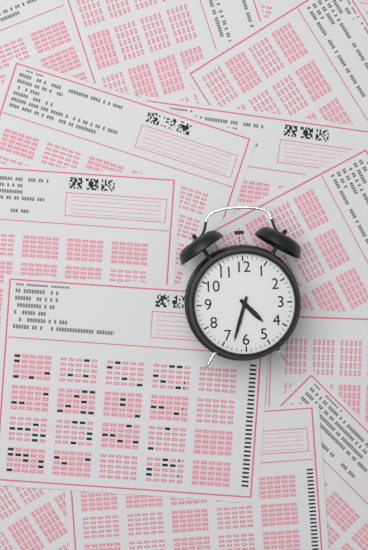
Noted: **4:33**
